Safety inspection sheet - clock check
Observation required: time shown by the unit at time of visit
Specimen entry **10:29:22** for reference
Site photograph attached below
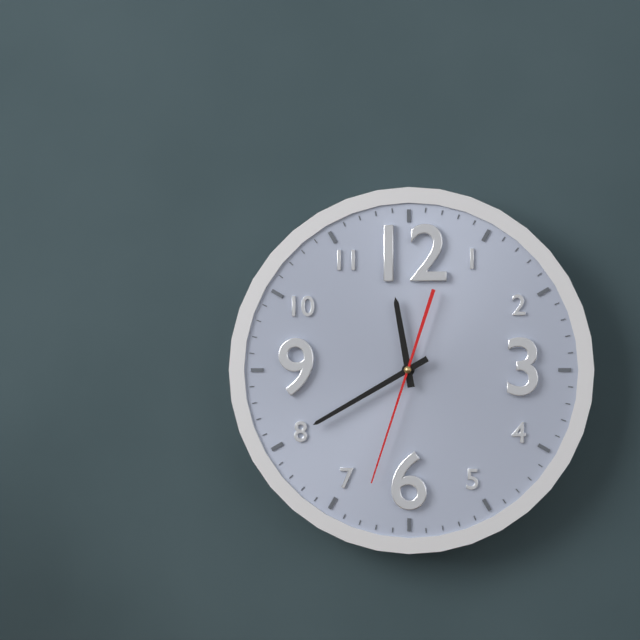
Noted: **11:40:33**
